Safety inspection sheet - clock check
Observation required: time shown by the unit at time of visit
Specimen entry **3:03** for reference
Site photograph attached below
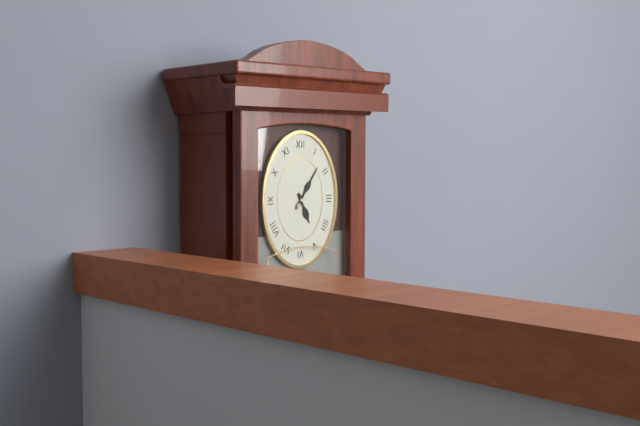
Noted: **5:06**
